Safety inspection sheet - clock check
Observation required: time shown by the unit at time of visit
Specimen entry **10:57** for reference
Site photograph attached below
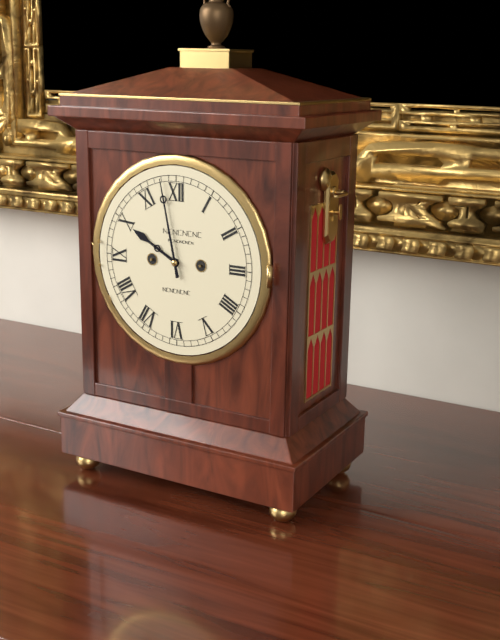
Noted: **9:58**
